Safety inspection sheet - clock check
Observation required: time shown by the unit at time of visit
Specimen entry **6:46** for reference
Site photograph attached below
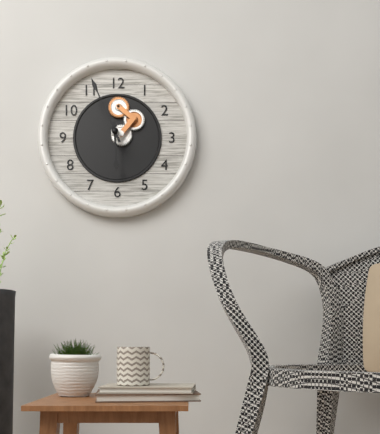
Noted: **5:56**
